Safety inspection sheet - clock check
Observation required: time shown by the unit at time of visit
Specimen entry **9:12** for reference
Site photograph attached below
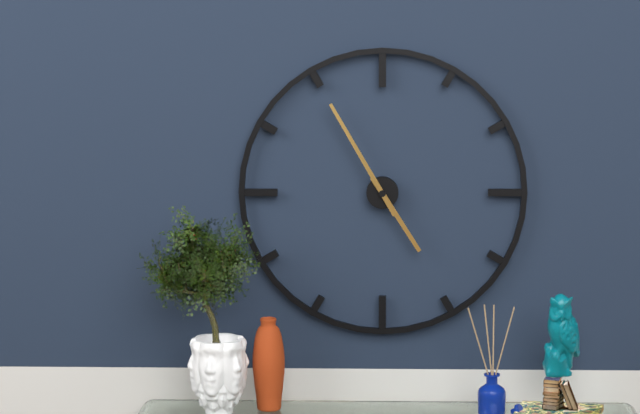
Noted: **4:55**
